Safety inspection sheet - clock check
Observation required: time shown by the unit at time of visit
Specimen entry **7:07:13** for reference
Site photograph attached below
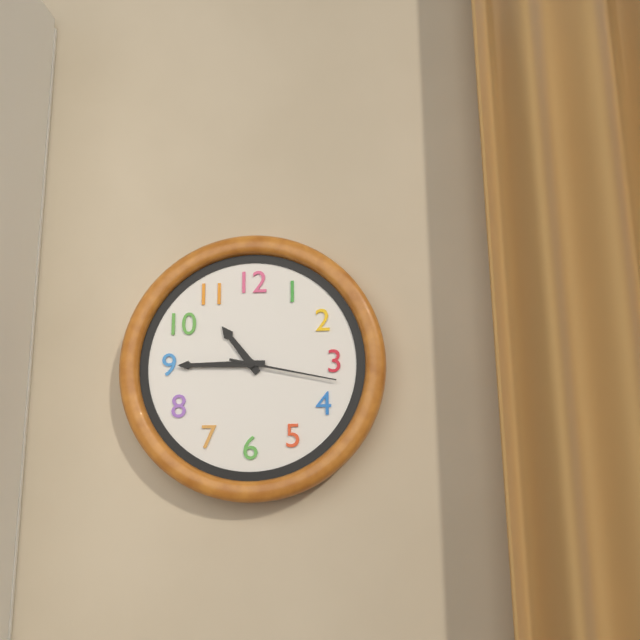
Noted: **10:45:17**
